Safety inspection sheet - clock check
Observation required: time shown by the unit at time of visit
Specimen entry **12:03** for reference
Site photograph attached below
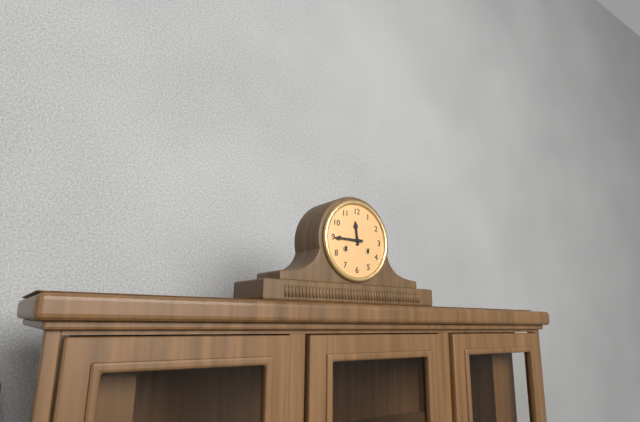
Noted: **11:45**
